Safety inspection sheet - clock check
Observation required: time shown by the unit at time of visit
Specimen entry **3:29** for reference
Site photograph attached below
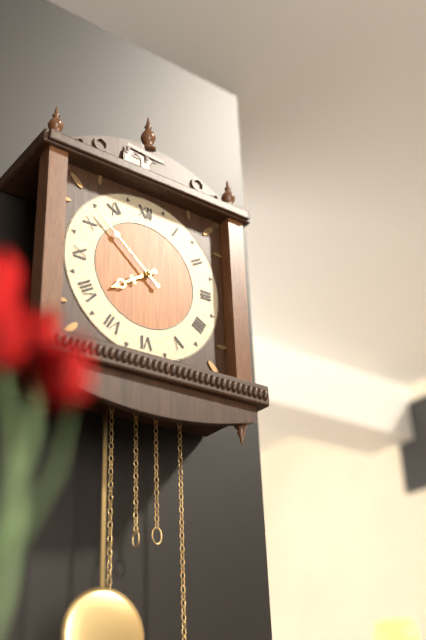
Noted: **7:52**
